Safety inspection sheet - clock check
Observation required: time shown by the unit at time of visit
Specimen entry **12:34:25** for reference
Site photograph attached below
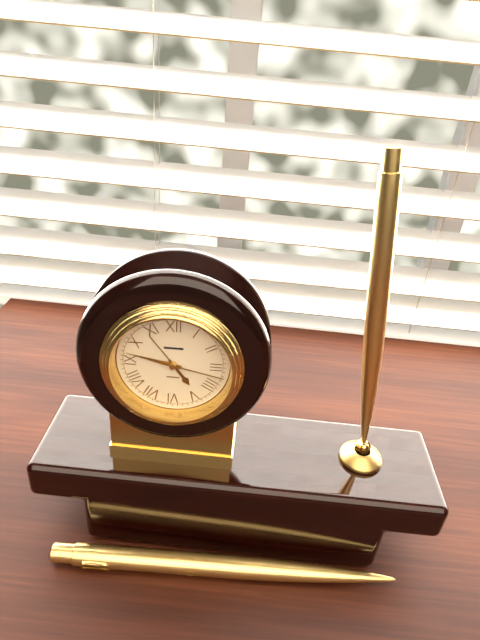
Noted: **4:47:17**
